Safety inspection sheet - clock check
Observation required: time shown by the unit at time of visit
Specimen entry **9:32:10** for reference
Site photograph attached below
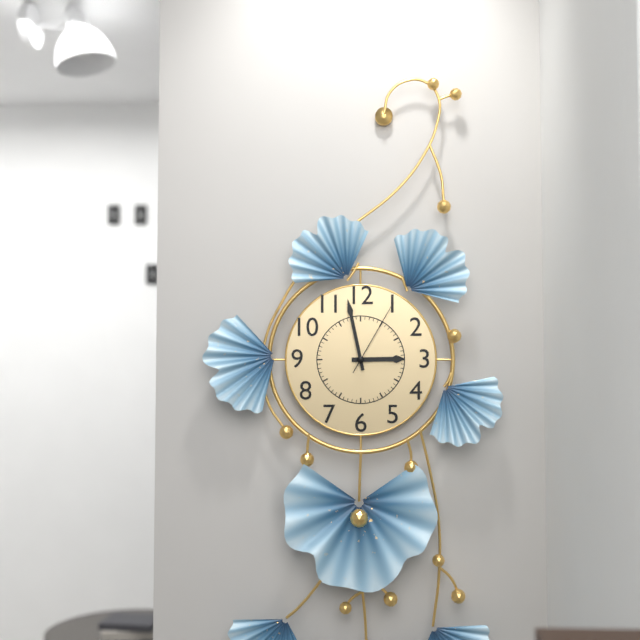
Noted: **2:58:05**
